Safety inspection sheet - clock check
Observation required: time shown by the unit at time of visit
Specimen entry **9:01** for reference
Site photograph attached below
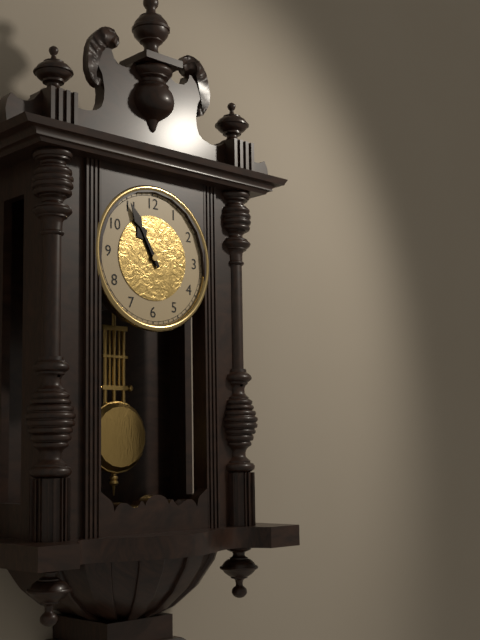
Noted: **10:55**
